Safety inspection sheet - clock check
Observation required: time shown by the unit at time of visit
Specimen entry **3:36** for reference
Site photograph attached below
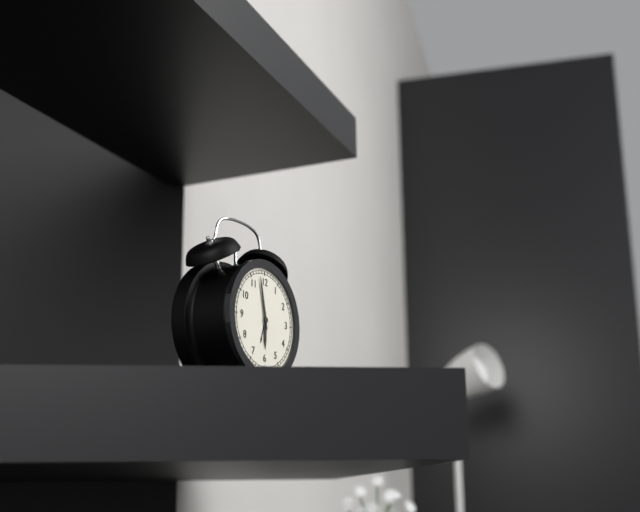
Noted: **5:58**
